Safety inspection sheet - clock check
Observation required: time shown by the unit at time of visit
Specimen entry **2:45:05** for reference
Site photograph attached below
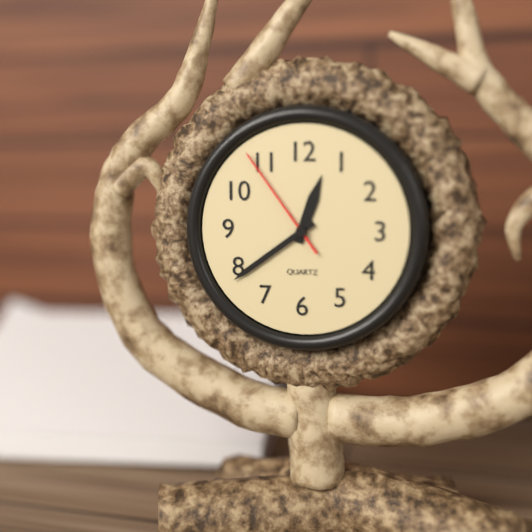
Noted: **12:39:54**
